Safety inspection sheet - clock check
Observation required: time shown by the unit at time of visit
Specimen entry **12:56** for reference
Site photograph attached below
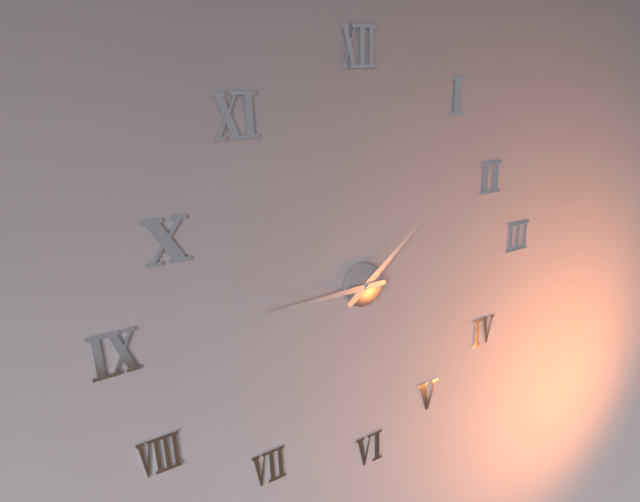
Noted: **1:45**
